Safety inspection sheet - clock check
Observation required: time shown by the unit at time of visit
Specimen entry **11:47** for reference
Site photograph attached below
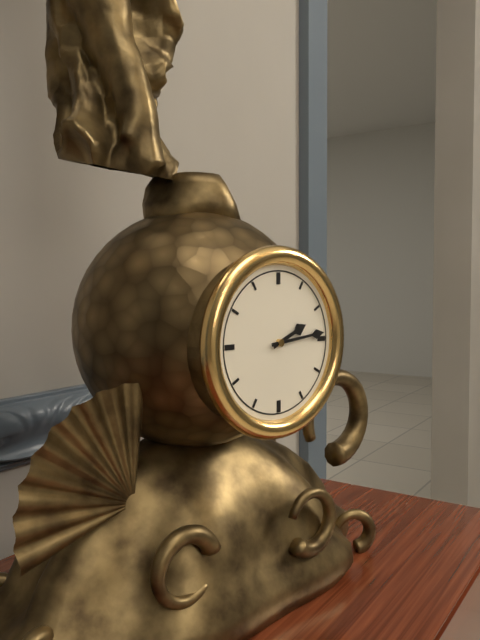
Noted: **2:14**
